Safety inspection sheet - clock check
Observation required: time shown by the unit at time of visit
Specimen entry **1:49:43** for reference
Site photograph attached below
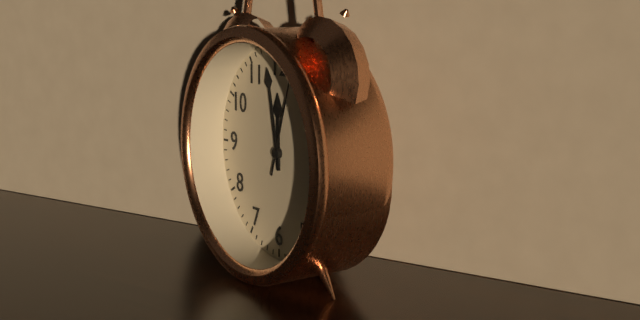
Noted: **11:58:03**
